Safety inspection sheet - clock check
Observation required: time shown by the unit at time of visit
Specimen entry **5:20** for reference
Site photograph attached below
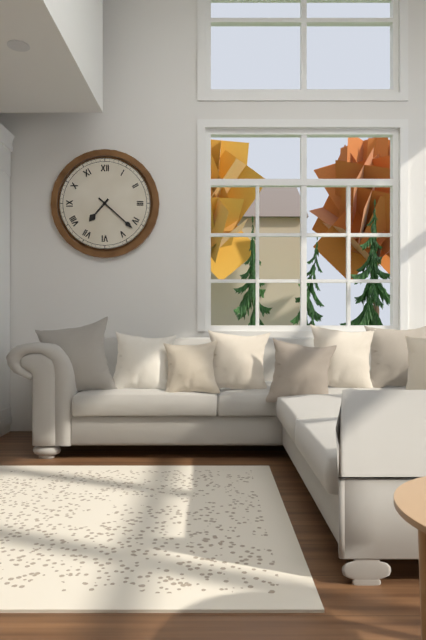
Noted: **7:22**
